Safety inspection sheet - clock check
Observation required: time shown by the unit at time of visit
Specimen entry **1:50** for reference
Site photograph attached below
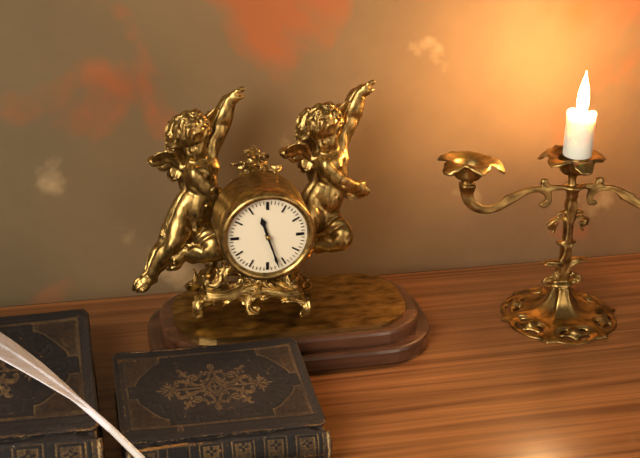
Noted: **11:27**
